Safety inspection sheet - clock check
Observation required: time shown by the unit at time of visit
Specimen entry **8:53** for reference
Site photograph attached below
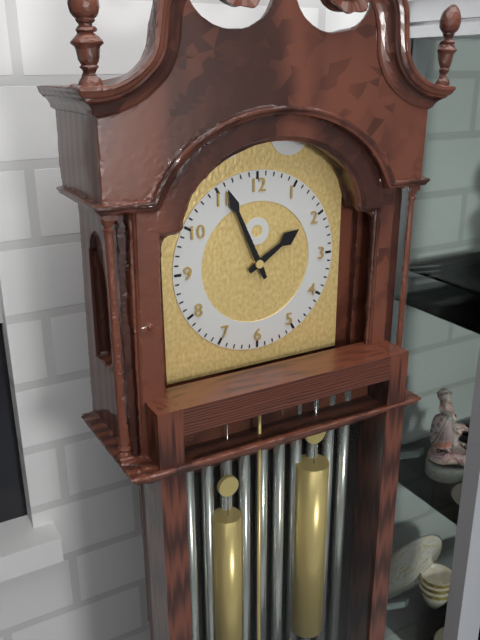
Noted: **1:56**
